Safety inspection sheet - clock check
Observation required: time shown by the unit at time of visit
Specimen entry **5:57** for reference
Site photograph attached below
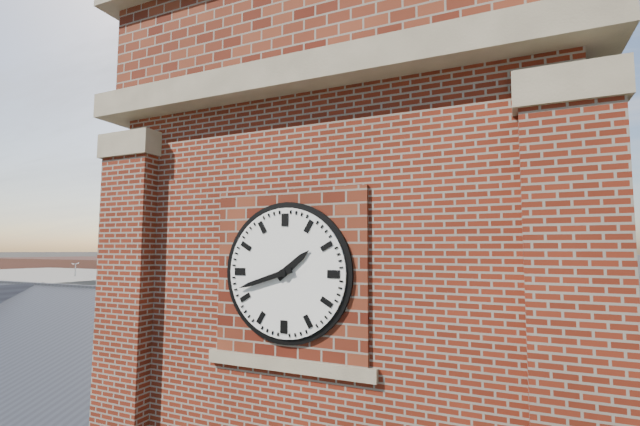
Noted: **1:42**
